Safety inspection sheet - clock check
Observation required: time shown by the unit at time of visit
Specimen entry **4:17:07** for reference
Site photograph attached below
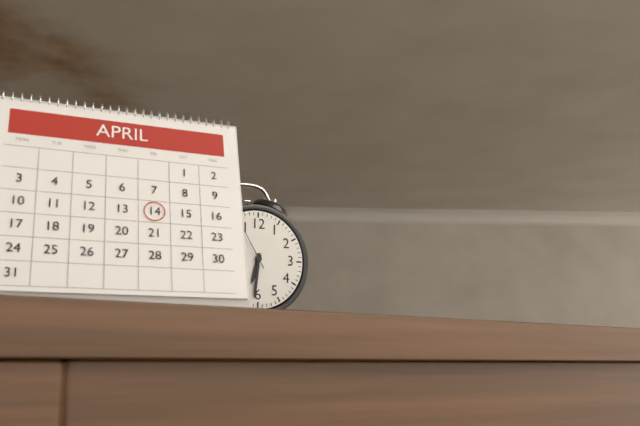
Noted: **6:31:55**
